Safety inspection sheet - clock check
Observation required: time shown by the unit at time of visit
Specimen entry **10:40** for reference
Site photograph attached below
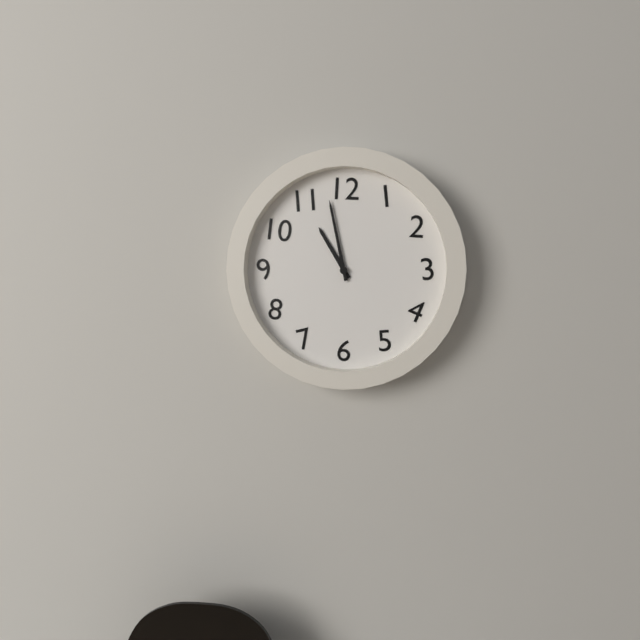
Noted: **10:58**
